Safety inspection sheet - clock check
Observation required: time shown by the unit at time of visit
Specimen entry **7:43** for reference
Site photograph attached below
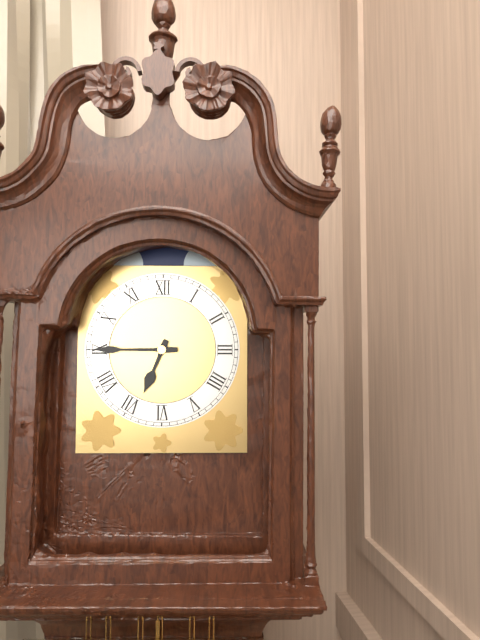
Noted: **6:45**
